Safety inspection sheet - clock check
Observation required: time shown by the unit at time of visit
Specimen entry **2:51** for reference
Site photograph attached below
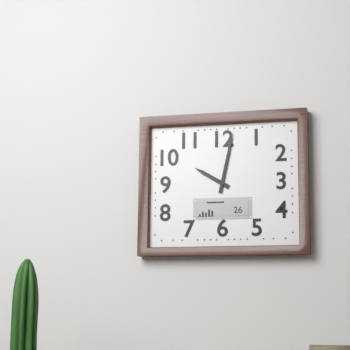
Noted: **10:02**
